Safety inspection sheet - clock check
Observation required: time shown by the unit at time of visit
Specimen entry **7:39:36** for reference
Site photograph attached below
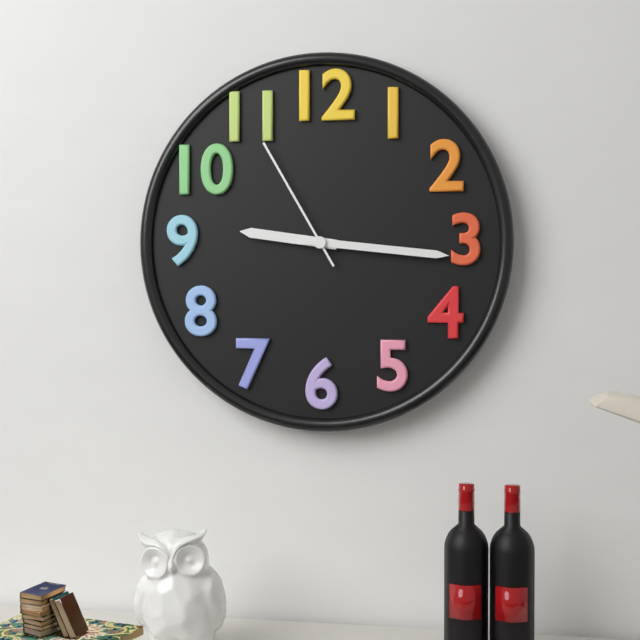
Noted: **9:16:55**
